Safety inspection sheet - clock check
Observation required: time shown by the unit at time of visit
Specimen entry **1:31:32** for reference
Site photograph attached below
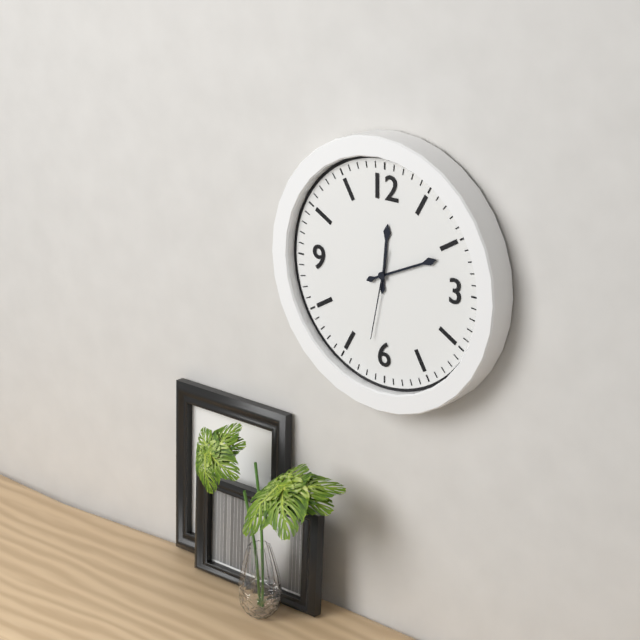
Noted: **12:11:32**
